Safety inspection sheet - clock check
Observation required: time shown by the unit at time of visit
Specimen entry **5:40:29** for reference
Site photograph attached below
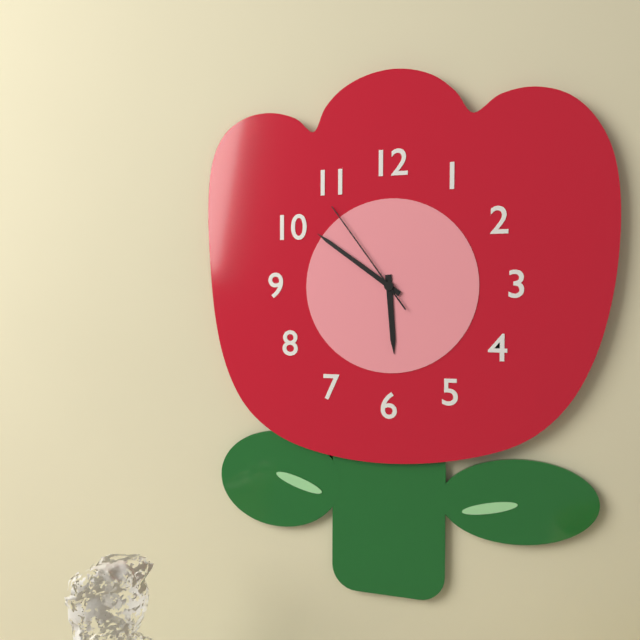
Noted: **5:51:54**
